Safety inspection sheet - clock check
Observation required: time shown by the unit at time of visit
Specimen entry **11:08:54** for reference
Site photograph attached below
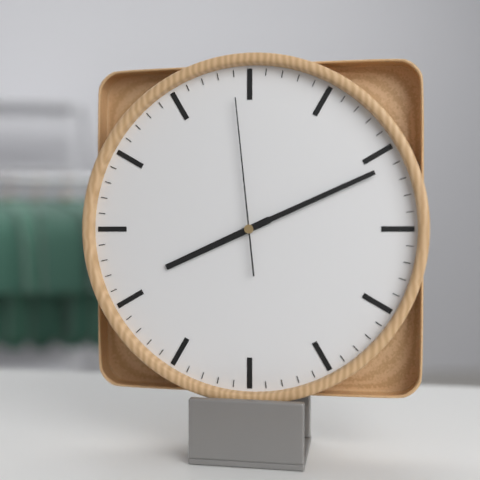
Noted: **8:11:59**
